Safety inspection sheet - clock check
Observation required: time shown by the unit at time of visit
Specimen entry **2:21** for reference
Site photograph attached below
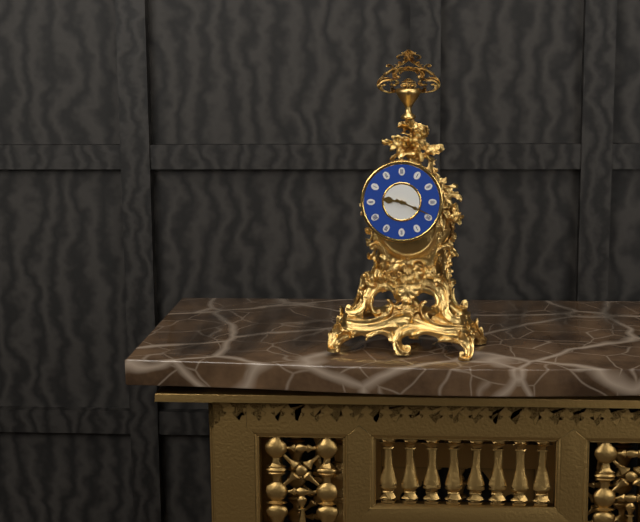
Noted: **9:19**
